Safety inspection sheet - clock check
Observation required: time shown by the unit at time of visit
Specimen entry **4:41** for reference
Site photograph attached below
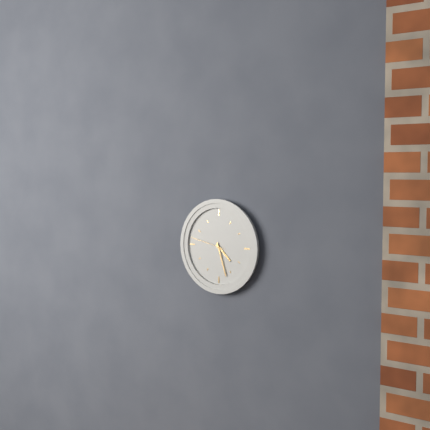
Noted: **4:27**
